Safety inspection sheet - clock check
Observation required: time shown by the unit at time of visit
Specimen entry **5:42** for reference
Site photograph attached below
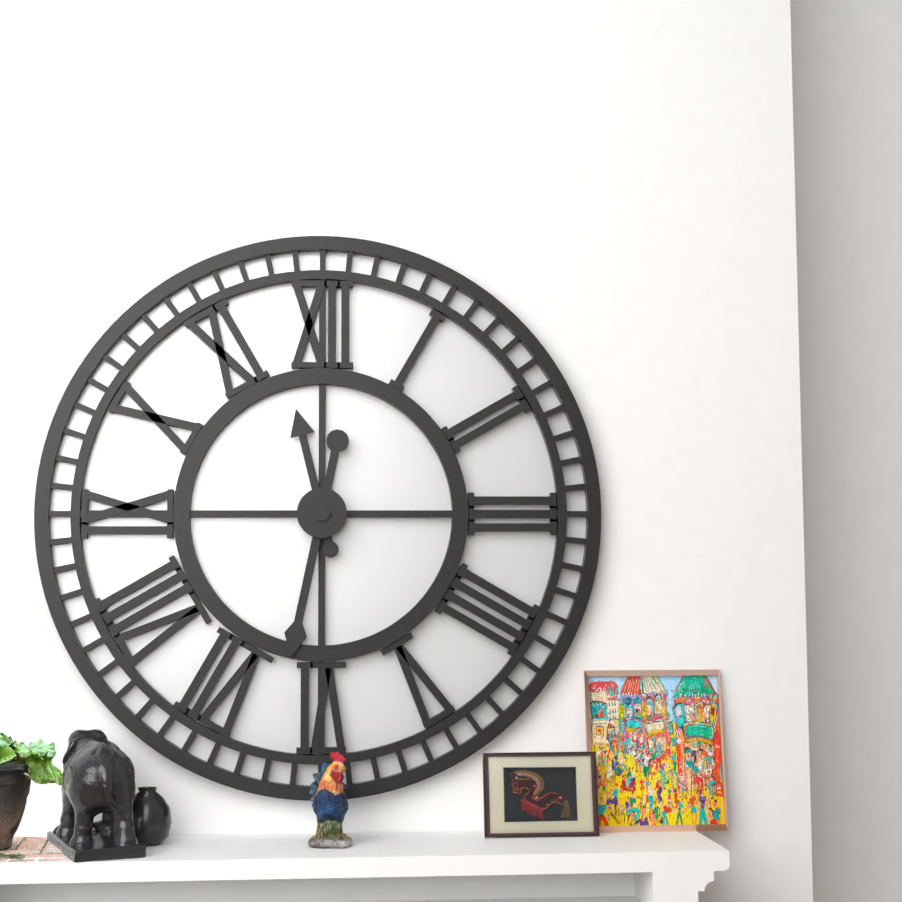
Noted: **11:32**
